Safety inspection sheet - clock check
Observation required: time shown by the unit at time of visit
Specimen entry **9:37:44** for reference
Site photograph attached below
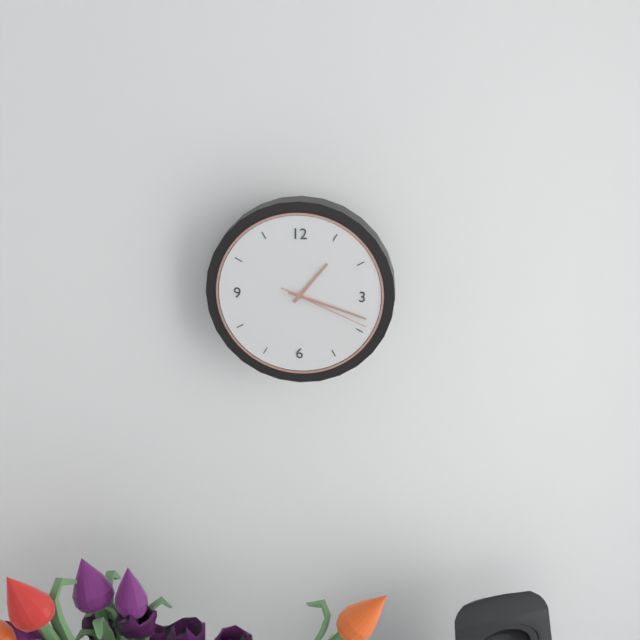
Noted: **1:18:19**
